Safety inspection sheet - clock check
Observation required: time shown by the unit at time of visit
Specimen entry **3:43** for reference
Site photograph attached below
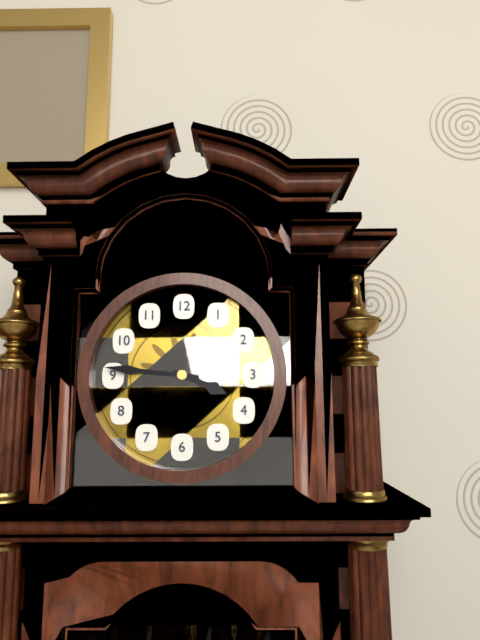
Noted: **3:46**
